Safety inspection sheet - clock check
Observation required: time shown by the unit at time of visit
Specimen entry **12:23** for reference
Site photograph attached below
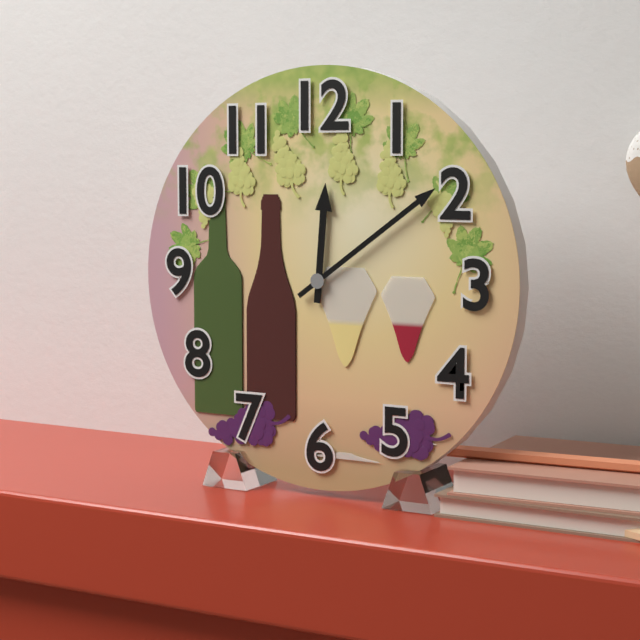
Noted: **12:09**
